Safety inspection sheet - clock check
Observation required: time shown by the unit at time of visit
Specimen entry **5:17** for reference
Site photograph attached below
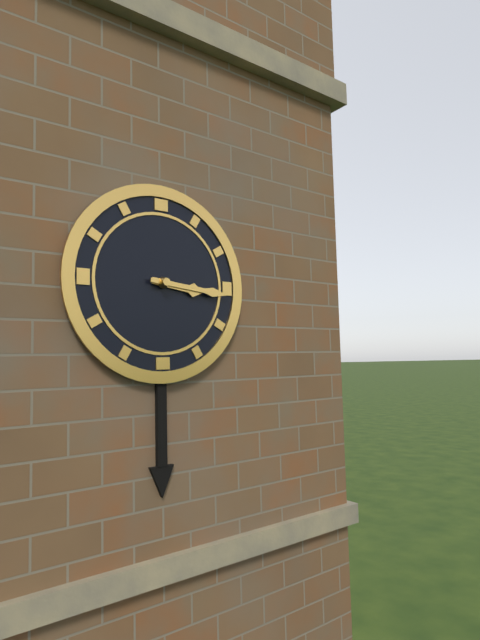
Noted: **3:16**
